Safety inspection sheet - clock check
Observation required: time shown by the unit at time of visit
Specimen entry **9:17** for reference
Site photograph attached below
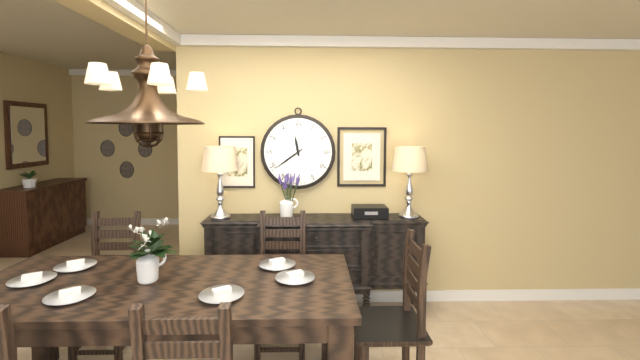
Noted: **11:39**
